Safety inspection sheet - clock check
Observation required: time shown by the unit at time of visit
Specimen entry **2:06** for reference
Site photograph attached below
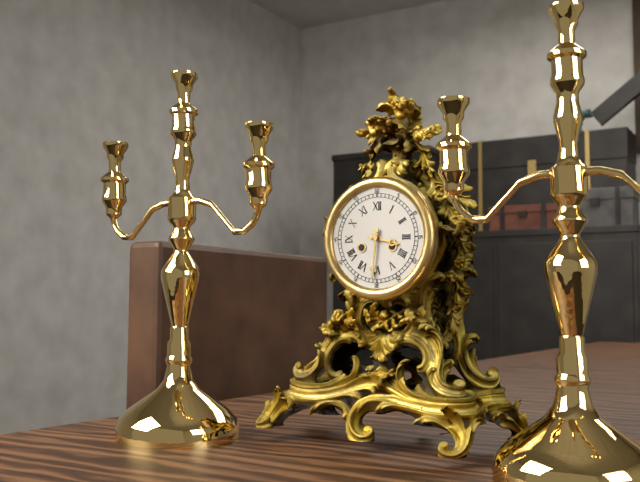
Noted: **3:31**
